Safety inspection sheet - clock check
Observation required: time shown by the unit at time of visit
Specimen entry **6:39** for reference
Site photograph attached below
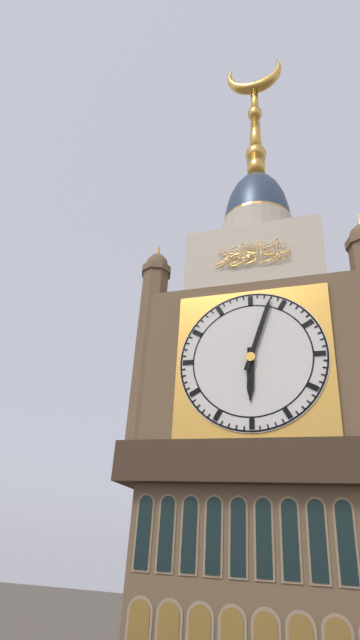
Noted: **6:03**
